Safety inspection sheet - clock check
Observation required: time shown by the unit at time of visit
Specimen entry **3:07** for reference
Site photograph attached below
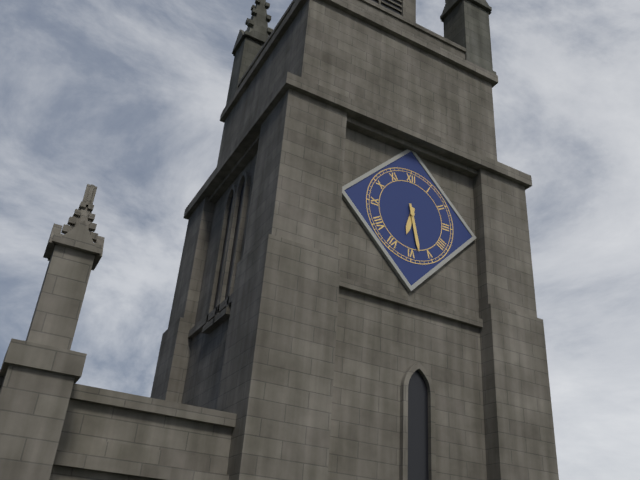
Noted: **6:28**
